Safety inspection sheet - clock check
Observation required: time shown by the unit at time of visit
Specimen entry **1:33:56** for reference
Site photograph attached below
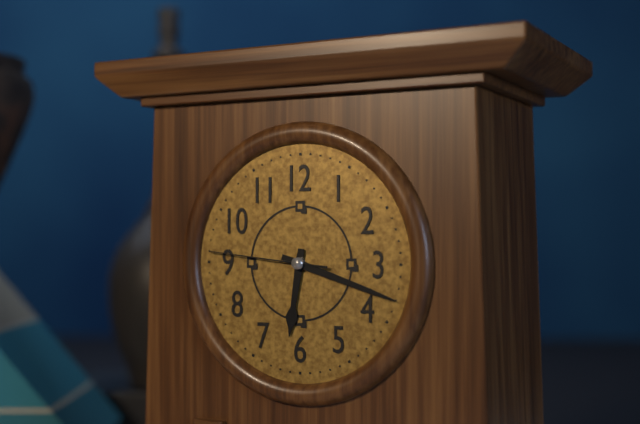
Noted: **6:18:46**
